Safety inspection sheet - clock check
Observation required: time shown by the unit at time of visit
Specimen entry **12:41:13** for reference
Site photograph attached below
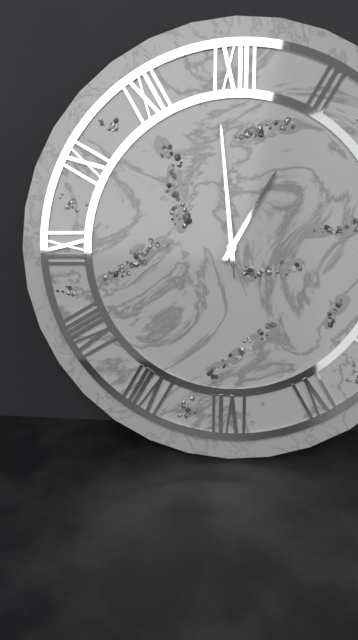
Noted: **12:59:59**
